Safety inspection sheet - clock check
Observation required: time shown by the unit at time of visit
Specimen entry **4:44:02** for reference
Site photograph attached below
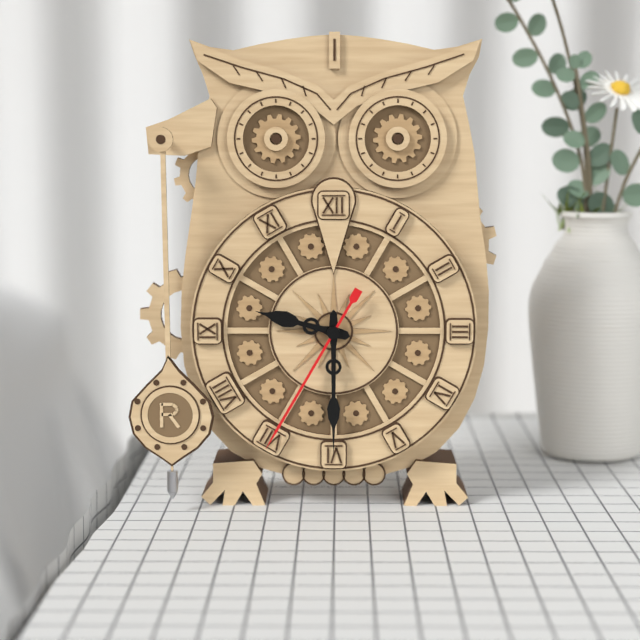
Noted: **9:30:35**
